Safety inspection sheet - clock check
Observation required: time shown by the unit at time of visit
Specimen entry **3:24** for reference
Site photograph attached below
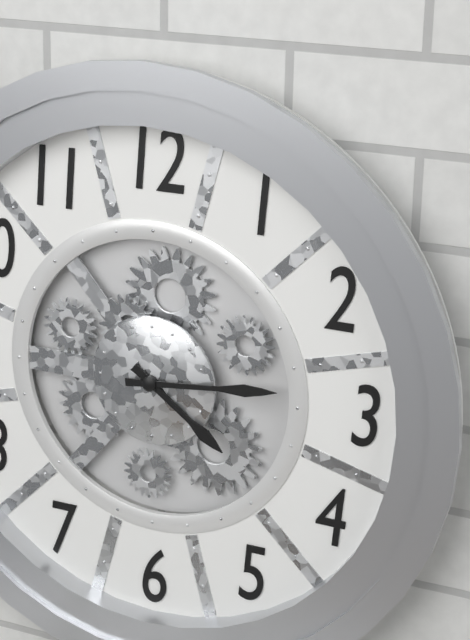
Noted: **4:14**
